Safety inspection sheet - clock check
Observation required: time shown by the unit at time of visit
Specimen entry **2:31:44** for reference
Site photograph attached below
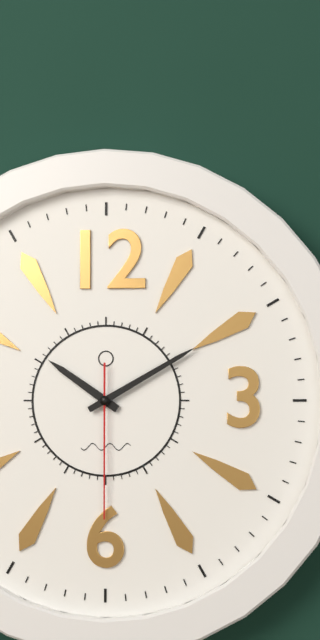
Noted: **10:10:30**
